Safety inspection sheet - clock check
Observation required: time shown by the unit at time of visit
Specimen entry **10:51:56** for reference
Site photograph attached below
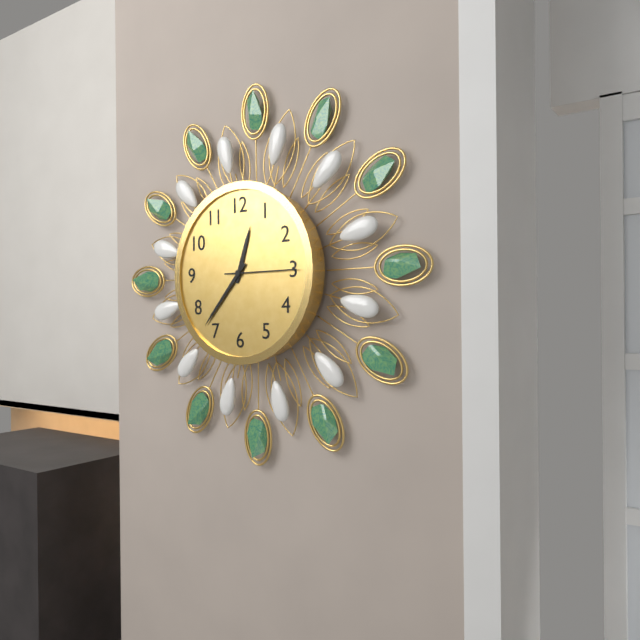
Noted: **12:37:15**
